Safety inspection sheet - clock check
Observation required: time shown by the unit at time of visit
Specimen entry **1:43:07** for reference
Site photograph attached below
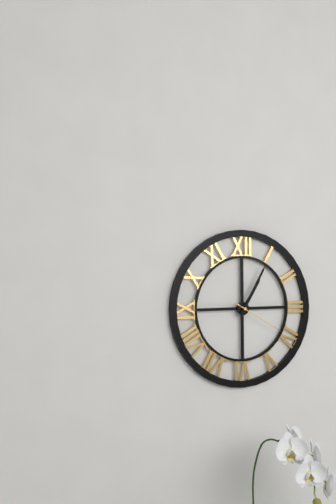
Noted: **1:05:20**
